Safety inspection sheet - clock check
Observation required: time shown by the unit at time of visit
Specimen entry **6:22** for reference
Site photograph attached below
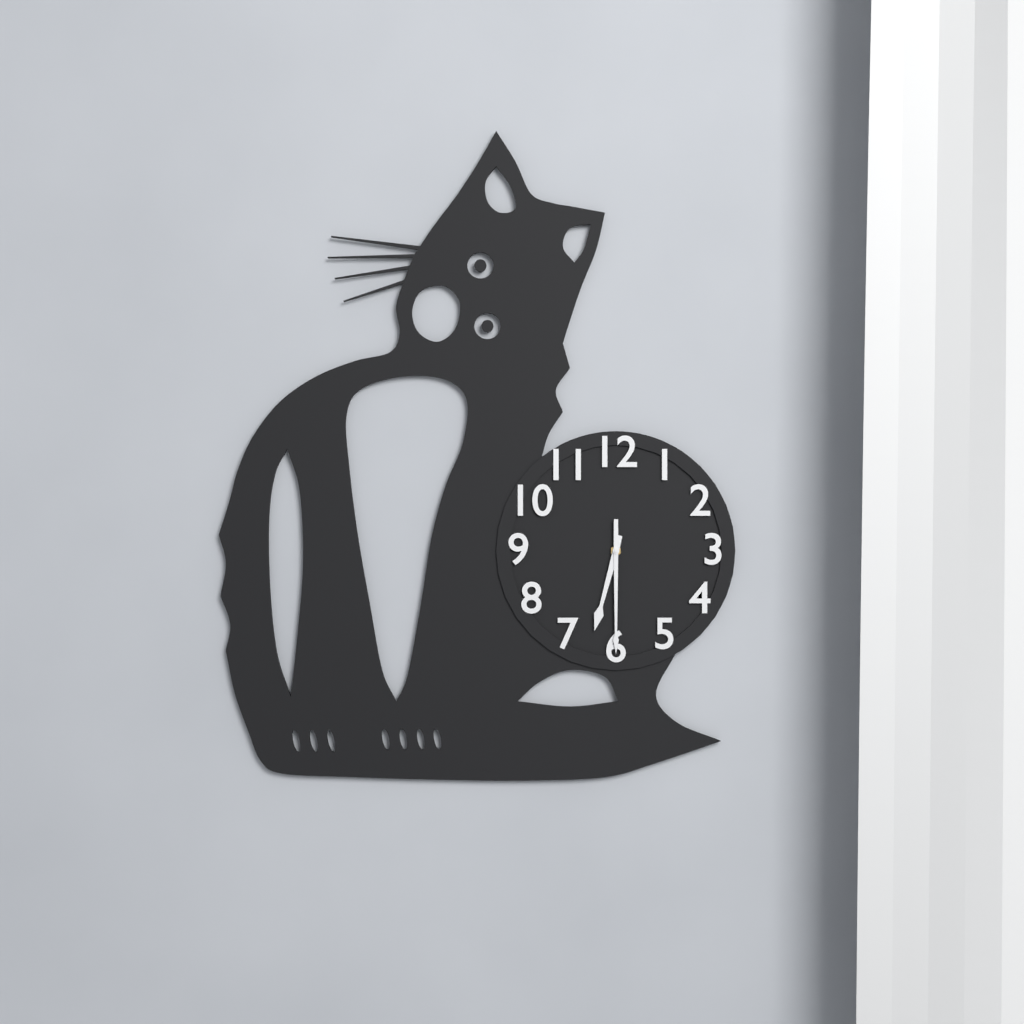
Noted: **6:30**
